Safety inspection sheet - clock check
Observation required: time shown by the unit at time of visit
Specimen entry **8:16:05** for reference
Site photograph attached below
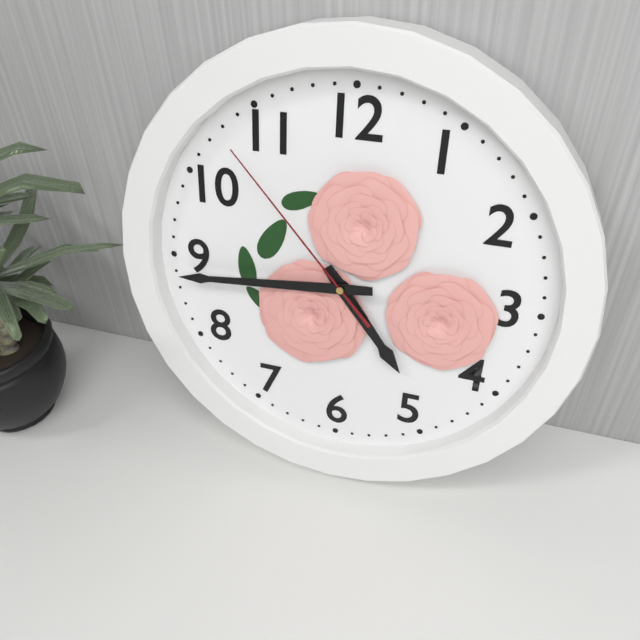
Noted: **4:44:53**
